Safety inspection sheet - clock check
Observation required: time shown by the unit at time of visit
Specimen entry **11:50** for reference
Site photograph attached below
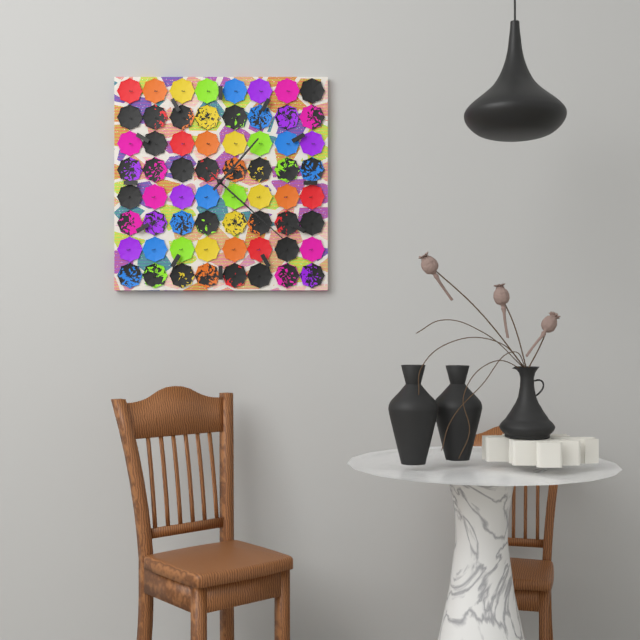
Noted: **1:22**
